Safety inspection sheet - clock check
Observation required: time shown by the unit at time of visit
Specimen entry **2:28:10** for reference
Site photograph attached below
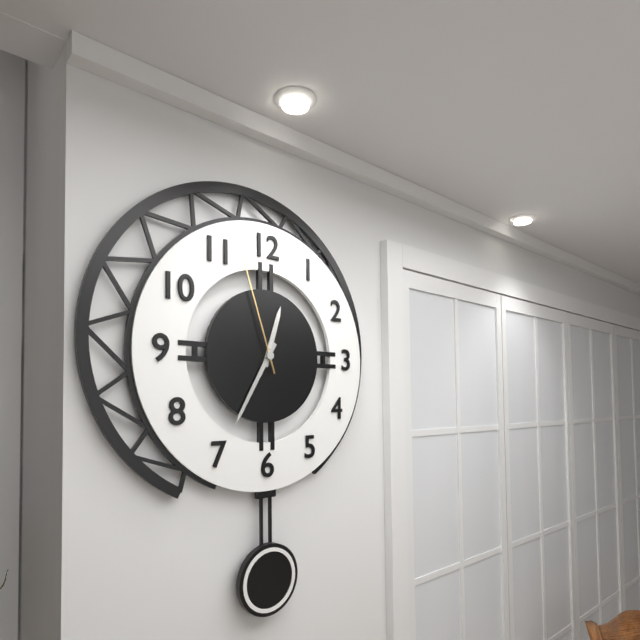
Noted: **12:35:57**
